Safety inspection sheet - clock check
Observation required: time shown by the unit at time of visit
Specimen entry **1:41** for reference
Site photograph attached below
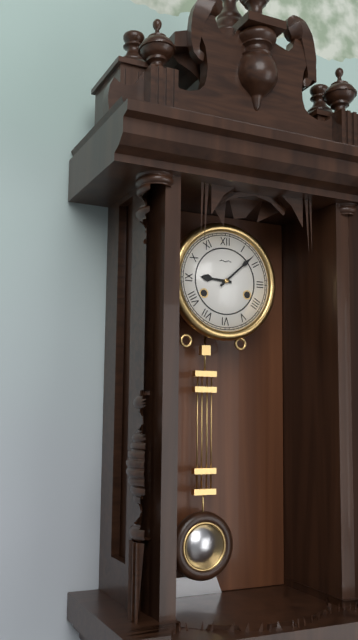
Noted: **9:08**
